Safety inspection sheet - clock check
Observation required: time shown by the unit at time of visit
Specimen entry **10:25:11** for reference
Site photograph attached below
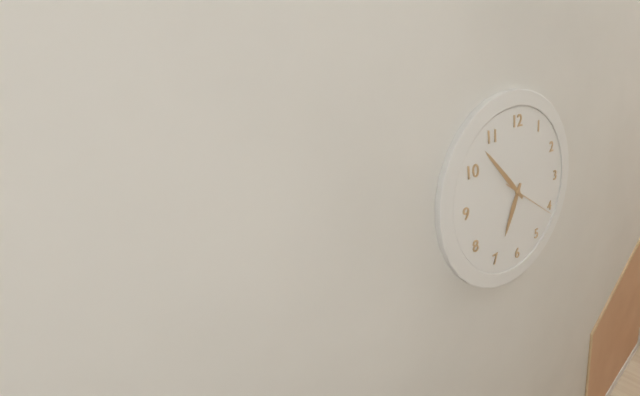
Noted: **6:53:21**
